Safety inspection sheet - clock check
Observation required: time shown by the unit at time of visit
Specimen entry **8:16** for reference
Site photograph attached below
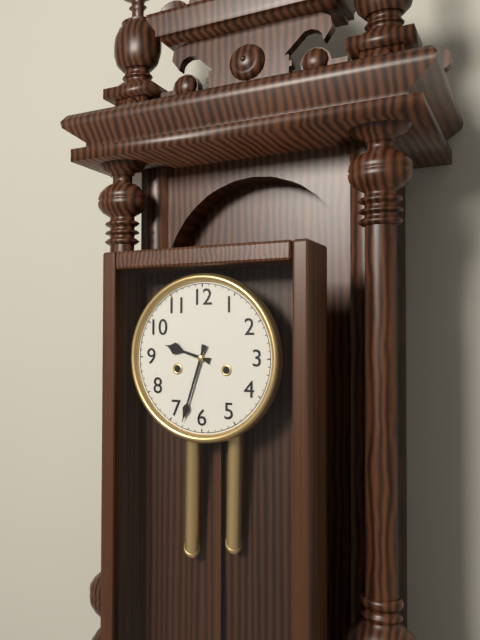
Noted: **9:33**
